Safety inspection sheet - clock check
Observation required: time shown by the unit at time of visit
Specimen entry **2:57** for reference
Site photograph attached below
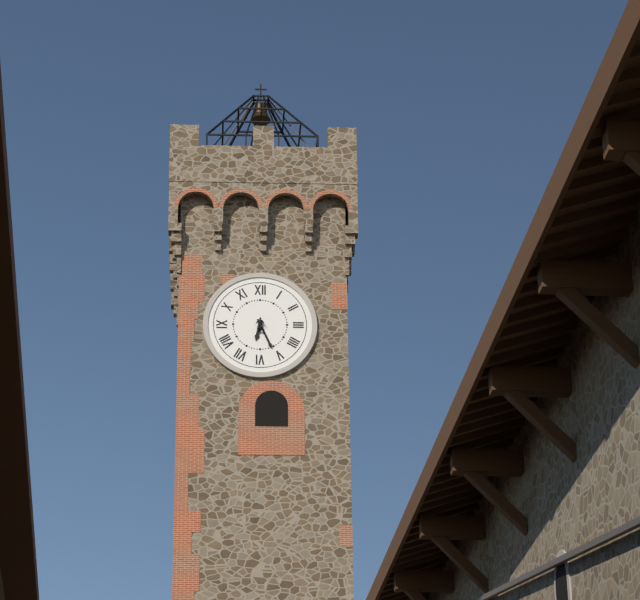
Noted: **6:26**
